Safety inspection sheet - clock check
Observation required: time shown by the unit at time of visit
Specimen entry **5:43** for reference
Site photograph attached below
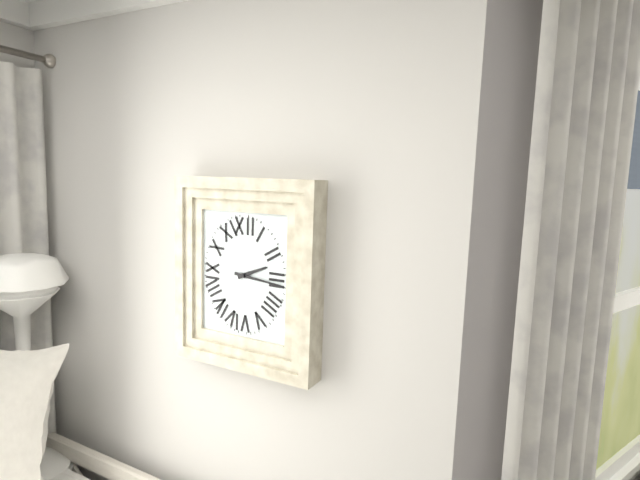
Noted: **2:16**
